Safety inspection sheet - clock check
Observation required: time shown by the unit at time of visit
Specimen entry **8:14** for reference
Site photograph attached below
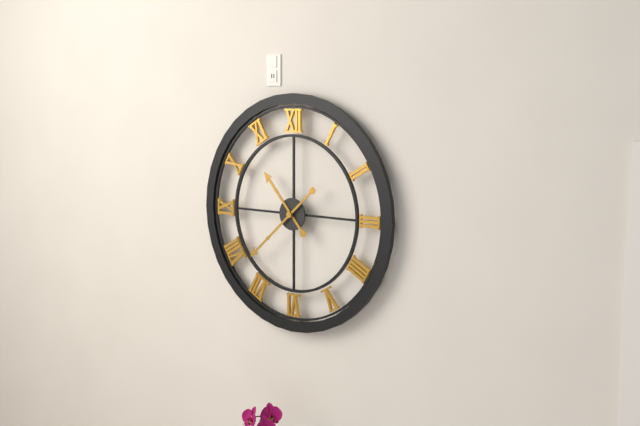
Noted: **10:38**
